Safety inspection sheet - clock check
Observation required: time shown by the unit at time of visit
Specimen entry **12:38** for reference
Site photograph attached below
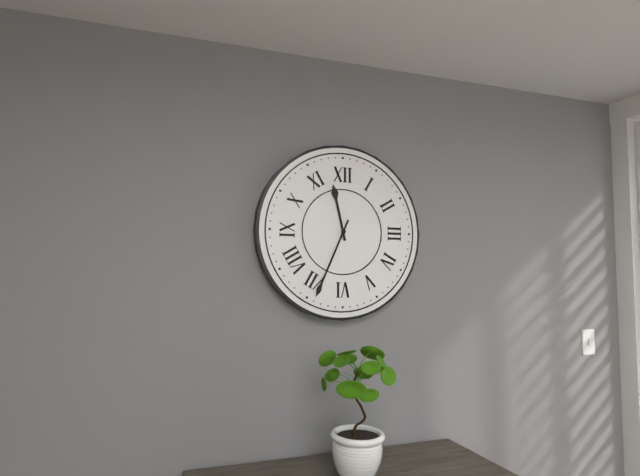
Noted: **11:34**
